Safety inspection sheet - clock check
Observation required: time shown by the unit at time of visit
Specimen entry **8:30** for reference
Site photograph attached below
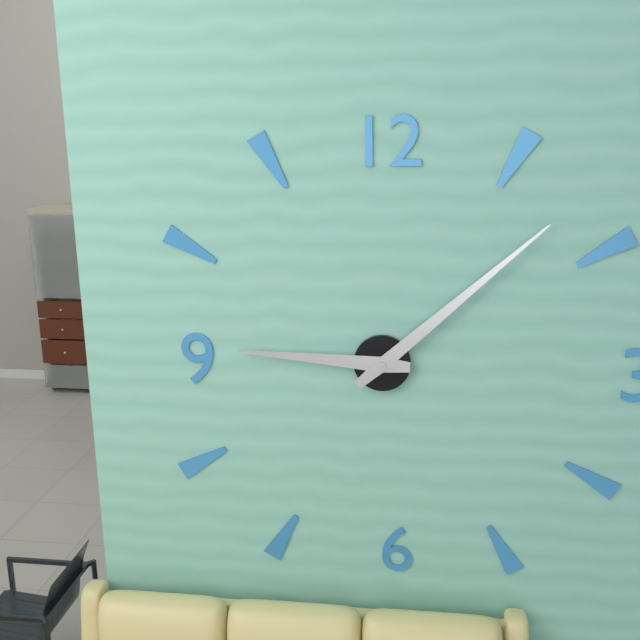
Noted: **9:08**
